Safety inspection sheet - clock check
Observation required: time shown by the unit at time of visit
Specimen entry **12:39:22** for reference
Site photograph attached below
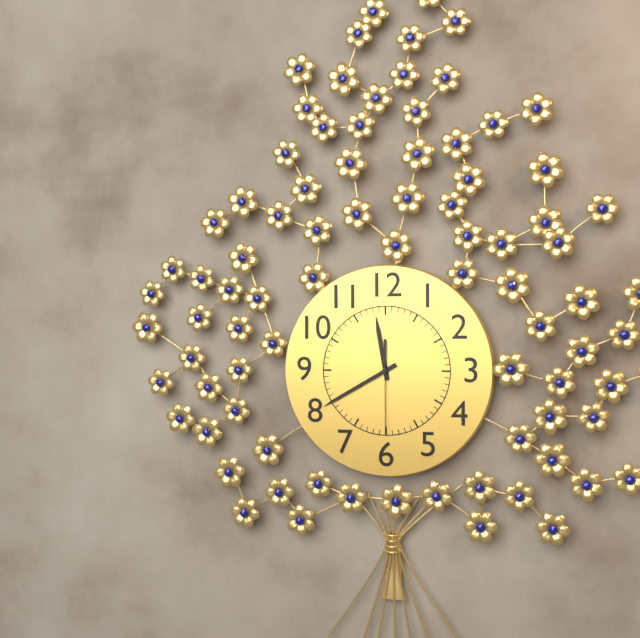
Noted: **11:40:30**
